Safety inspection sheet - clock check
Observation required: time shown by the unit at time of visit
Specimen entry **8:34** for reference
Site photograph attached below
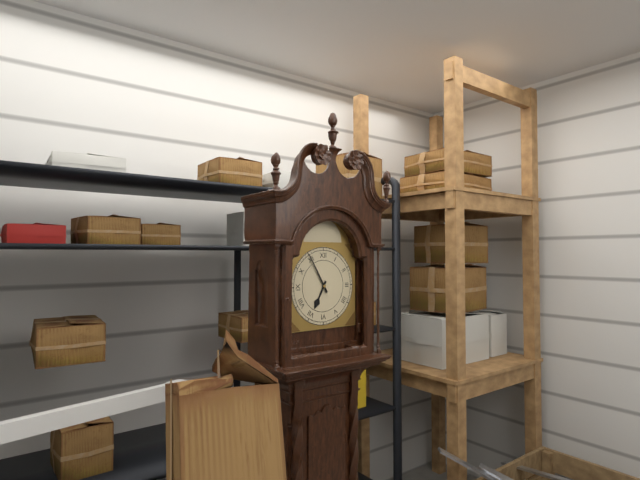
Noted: **6:55**
